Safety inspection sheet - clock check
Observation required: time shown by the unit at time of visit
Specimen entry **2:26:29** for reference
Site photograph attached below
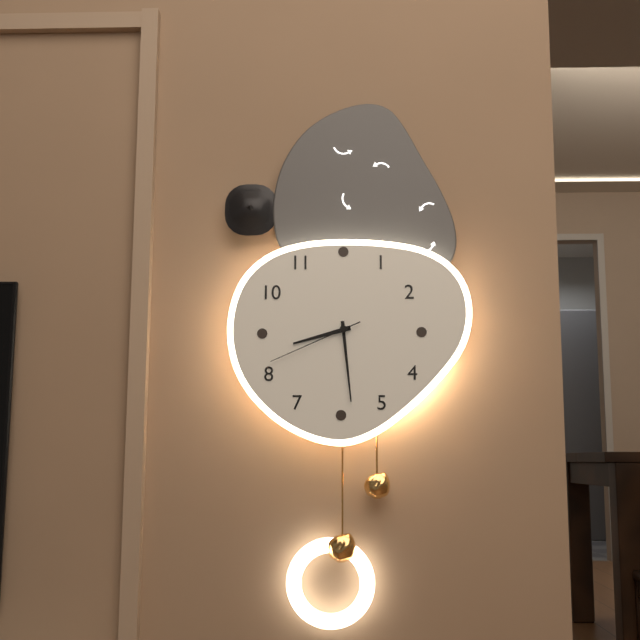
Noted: **8:29:41**
